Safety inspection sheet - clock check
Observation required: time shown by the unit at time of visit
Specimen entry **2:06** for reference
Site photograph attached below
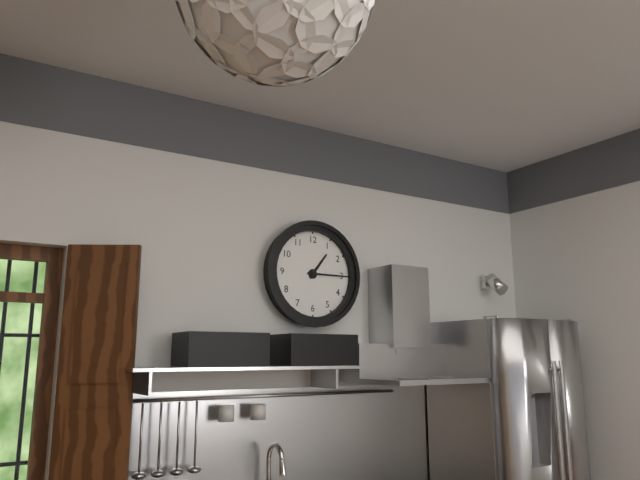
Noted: **1:15**
